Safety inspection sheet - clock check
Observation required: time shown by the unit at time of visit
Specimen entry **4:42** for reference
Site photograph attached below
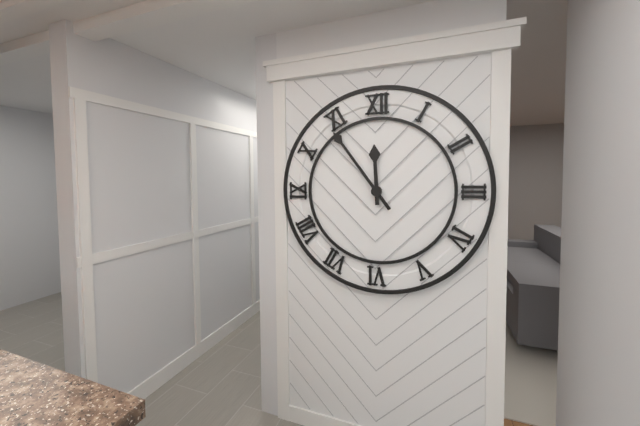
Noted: **11:54**
